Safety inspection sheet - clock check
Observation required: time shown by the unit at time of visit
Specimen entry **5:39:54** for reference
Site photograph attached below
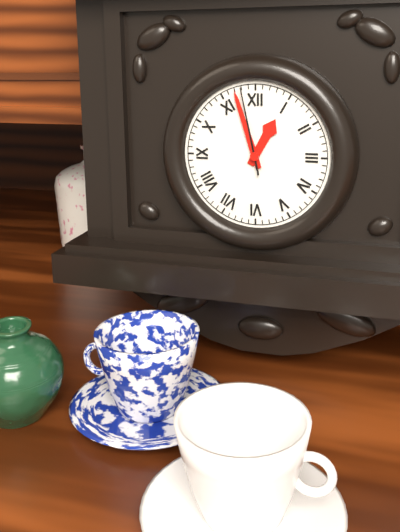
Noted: **12:57:58**
